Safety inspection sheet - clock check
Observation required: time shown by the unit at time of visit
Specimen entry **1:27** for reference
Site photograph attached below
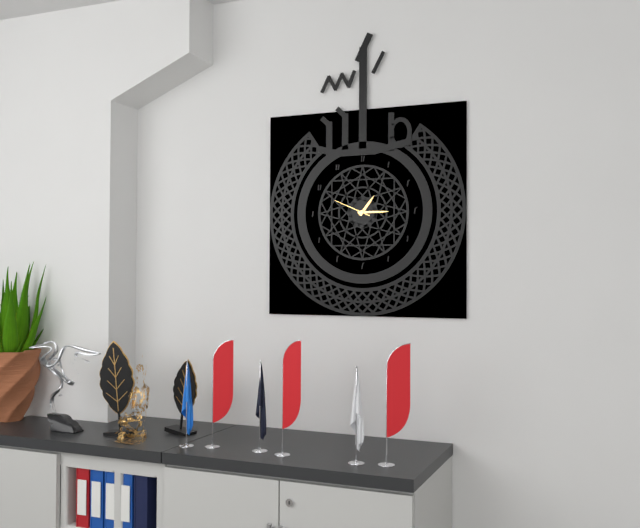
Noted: **1:15**
